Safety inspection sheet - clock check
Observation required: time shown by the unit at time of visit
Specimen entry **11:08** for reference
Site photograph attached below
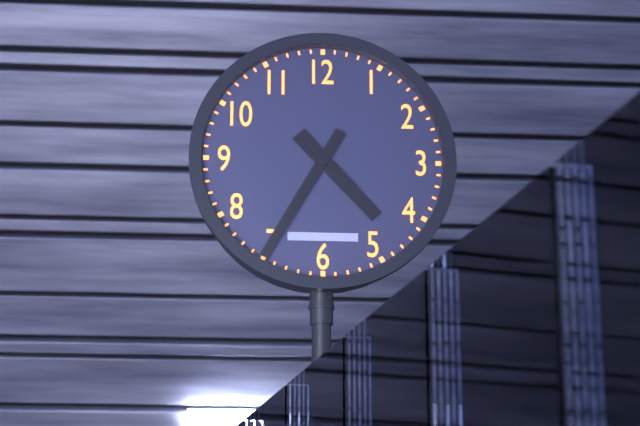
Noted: **4:35**
